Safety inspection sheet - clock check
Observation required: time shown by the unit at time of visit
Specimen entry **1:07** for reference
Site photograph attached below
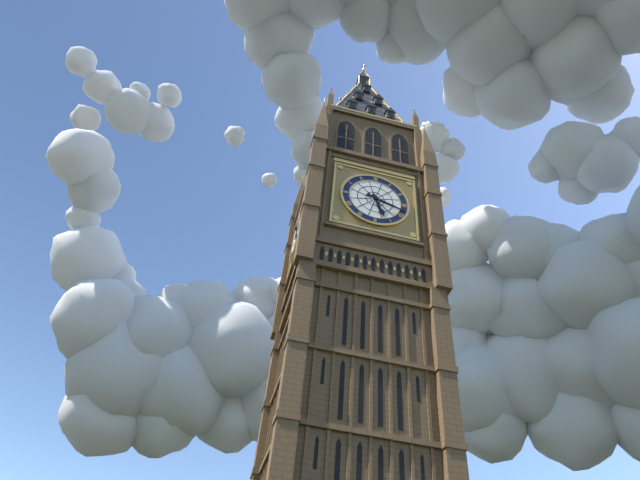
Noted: **5:18**
